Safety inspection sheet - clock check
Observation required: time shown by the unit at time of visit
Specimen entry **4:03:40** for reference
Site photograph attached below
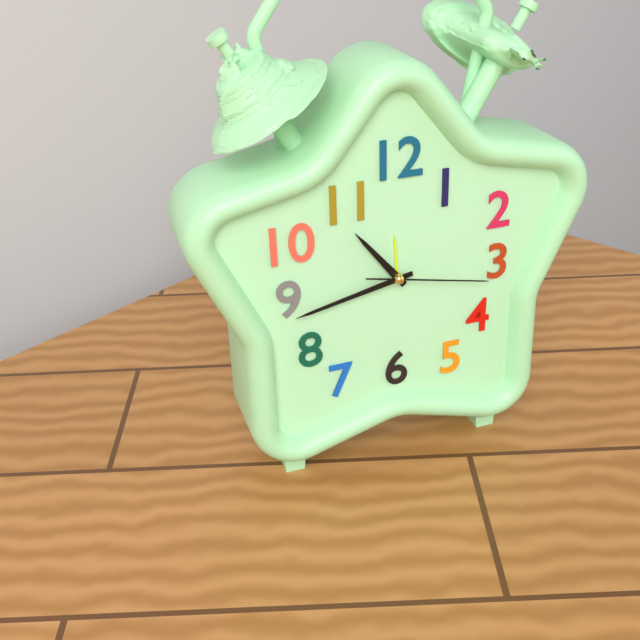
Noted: **10:43:17**
